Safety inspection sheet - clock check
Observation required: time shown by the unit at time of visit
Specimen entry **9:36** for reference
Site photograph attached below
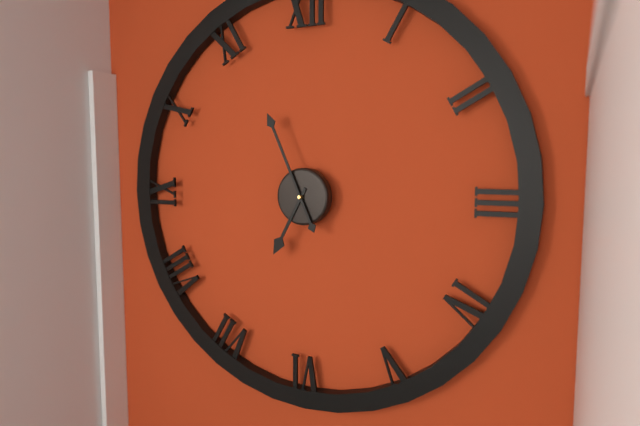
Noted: **6:56**
